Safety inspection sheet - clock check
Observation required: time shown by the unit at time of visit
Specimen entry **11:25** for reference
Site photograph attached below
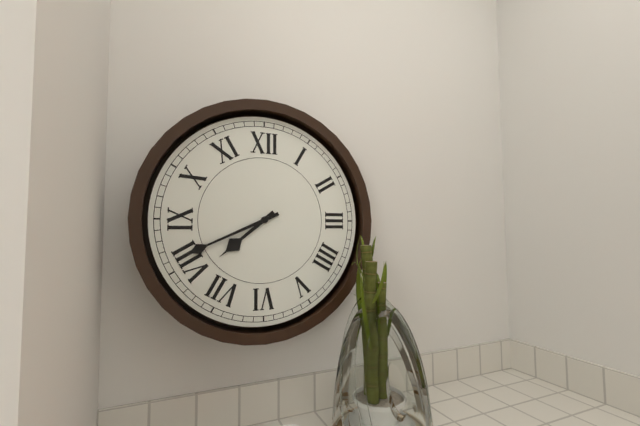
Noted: **7:41**
